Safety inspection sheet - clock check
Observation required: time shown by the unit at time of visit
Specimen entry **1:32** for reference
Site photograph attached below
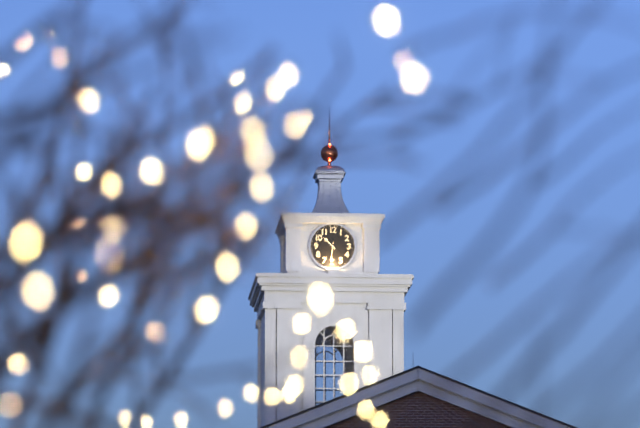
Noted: **10:31**
